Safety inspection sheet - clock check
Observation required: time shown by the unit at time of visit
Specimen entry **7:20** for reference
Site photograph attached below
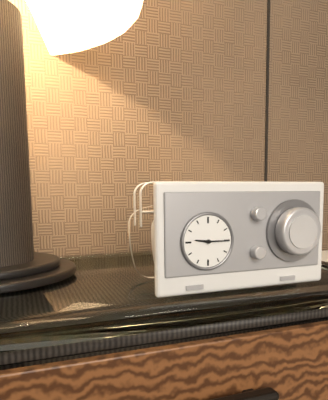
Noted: **9:15**
